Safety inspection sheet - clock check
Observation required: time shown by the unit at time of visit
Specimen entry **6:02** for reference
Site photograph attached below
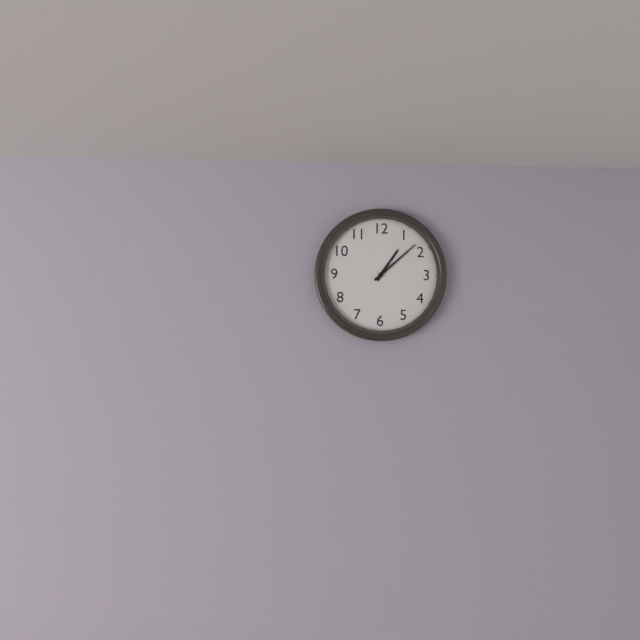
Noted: **1:08**
